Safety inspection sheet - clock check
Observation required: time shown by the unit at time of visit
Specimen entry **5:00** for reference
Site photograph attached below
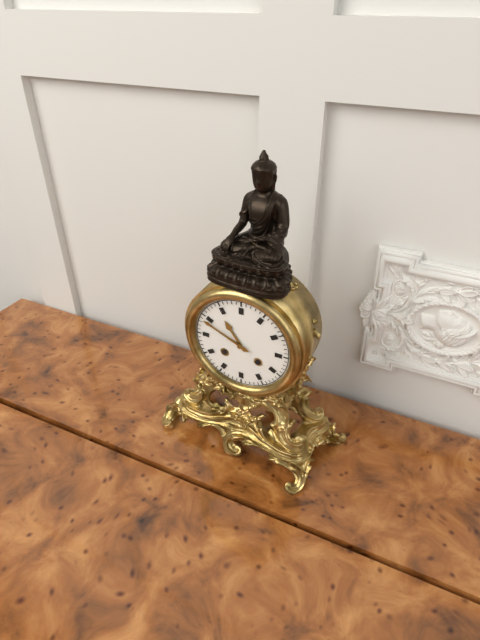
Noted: **10:49**
